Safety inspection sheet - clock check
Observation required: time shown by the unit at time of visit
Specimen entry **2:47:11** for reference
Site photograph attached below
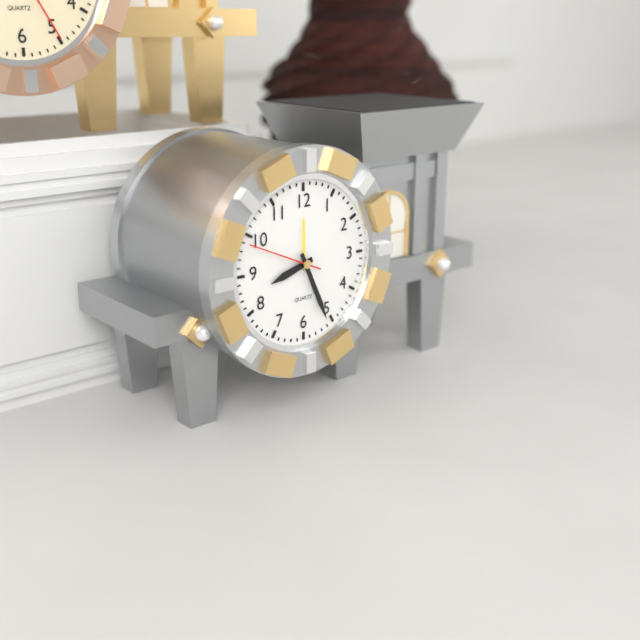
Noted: **8:26:49**
